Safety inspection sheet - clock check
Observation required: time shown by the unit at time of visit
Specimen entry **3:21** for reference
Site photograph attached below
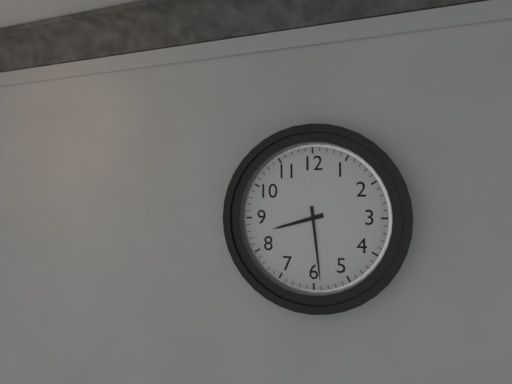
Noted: **8:29**
